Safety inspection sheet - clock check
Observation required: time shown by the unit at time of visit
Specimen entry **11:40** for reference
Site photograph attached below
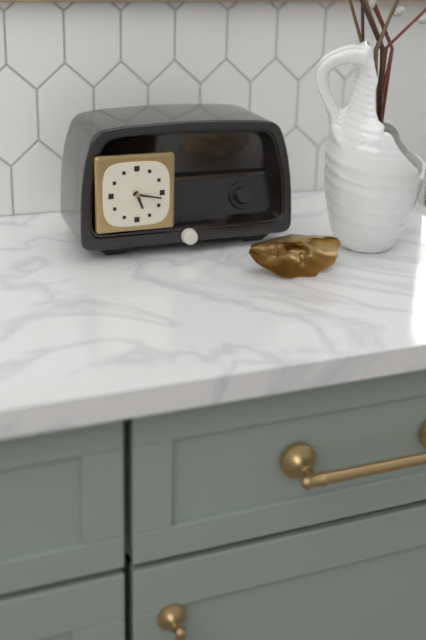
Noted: **5:17**
